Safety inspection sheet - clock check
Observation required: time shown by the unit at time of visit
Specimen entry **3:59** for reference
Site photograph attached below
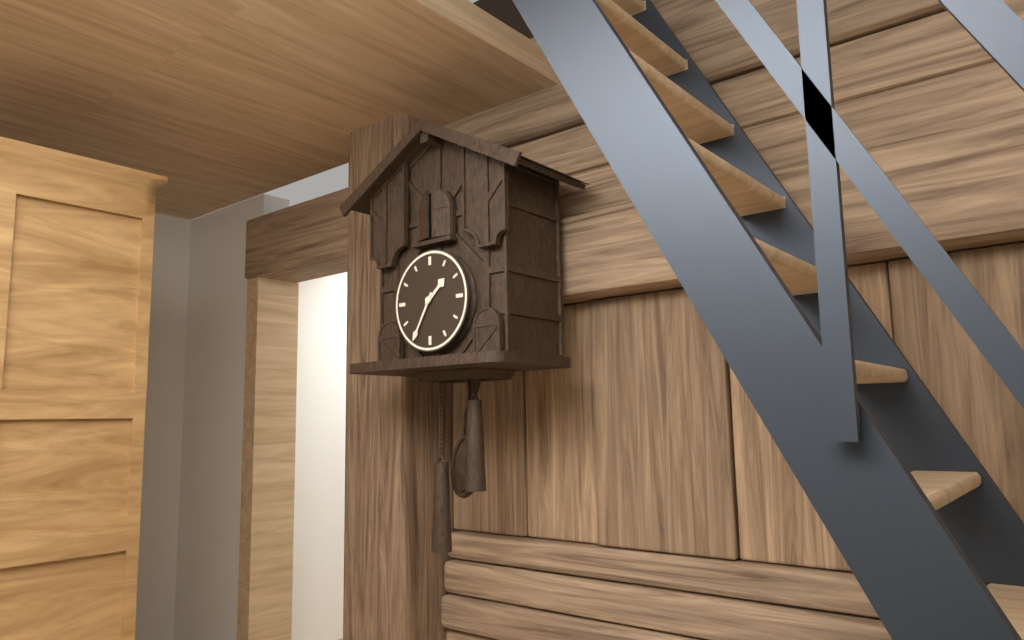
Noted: **1:35**
